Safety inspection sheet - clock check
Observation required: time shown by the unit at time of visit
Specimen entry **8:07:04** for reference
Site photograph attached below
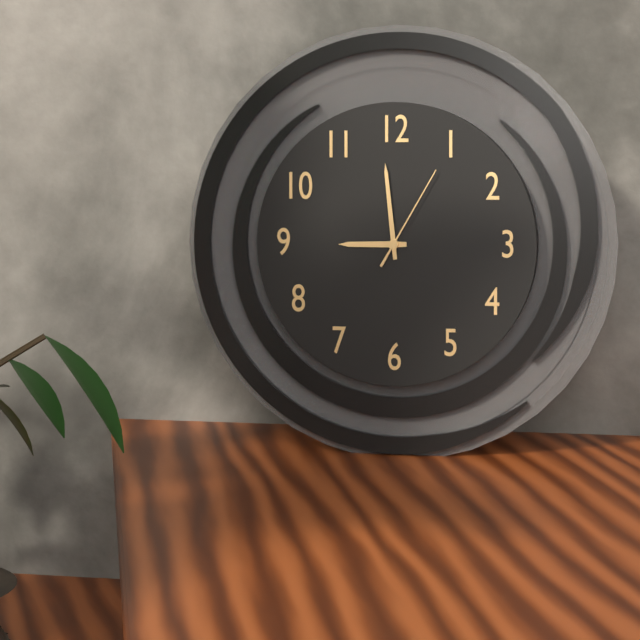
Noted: **8:59:05**
